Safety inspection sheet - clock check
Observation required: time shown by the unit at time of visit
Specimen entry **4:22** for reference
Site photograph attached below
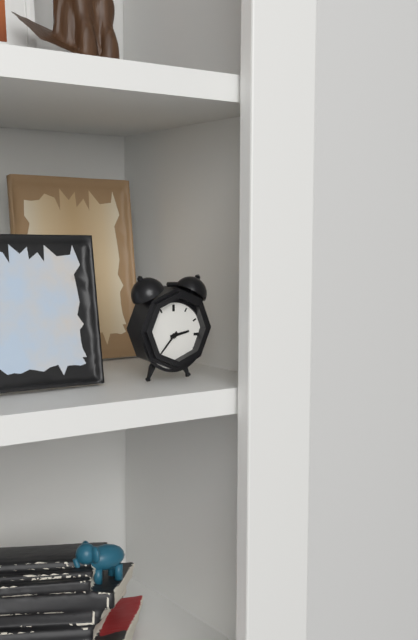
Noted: **2:37**
